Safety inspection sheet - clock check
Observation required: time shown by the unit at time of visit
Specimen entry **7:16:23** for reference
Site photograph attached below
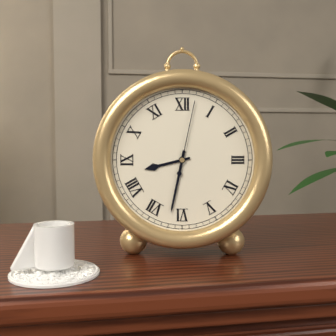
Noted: **8:32:02**
